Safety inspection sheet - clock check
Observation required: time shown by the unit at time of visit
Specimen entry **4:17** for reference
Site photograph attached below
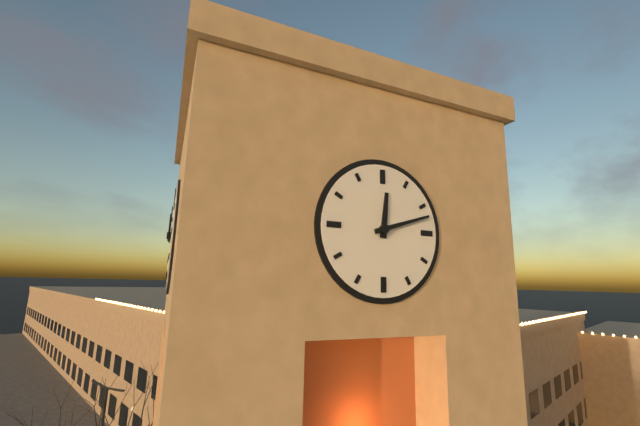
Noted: **12:12**
